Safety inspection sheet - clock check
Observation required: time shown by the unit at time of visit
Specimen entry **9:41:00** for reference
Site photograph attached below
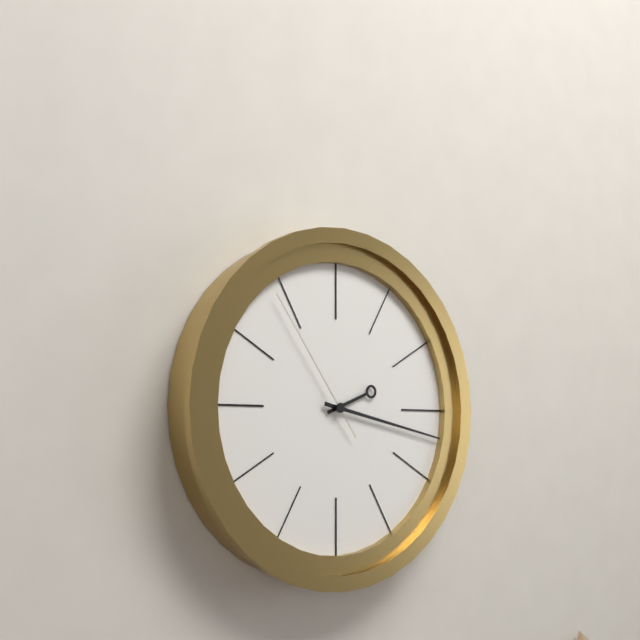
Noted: **2:17:54**
